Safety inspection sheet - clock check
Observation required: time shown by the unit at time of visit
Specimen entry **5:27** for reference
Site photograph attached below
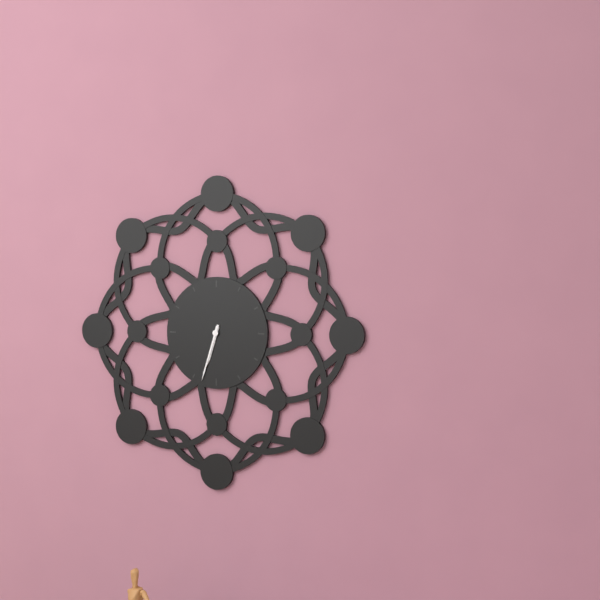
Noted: **6:33**
